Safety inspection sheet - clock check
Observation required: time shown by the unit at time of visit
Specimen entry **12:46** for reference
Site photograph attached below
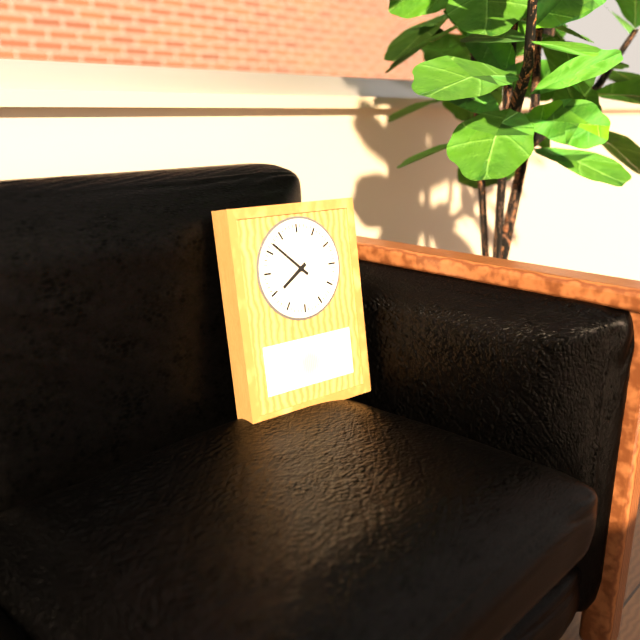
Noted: **7:52**
